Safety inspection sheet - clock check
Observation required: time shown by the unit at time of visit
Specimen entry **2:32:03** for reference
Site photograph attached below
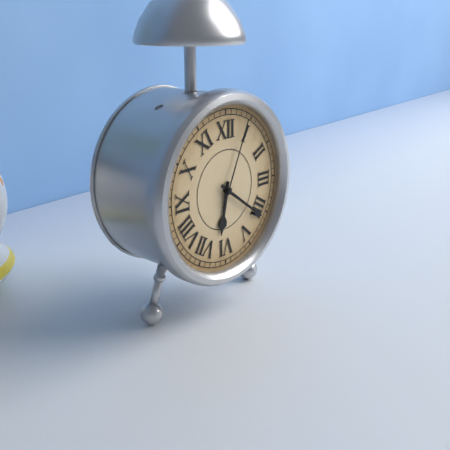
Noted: **6:21:04**
